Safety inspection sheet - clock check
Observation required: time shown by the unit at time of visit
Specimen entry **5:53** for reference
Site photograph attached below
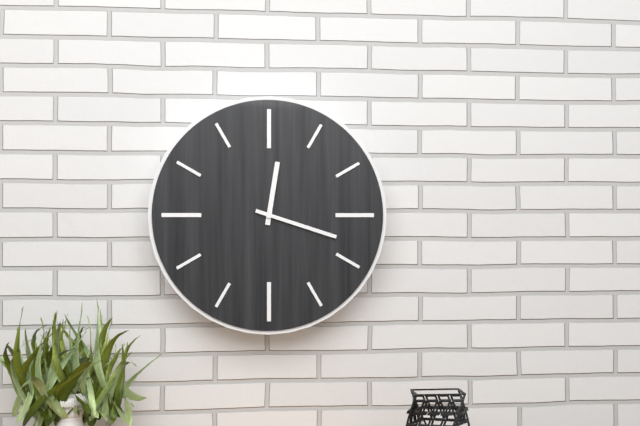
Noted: **12:18**
